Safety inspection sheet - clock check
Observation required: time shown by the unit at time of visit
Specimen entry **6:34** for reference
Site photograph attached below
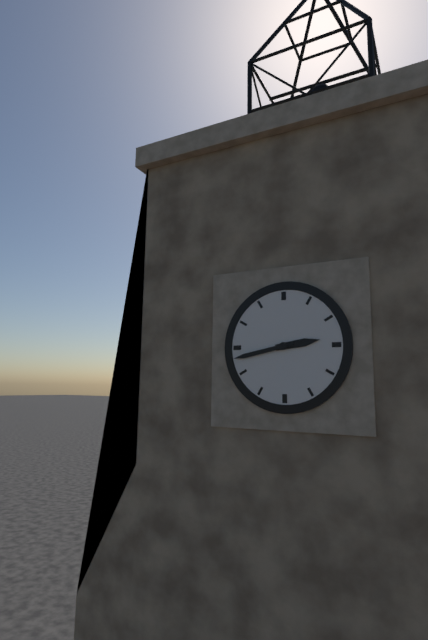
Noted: **2:43**
